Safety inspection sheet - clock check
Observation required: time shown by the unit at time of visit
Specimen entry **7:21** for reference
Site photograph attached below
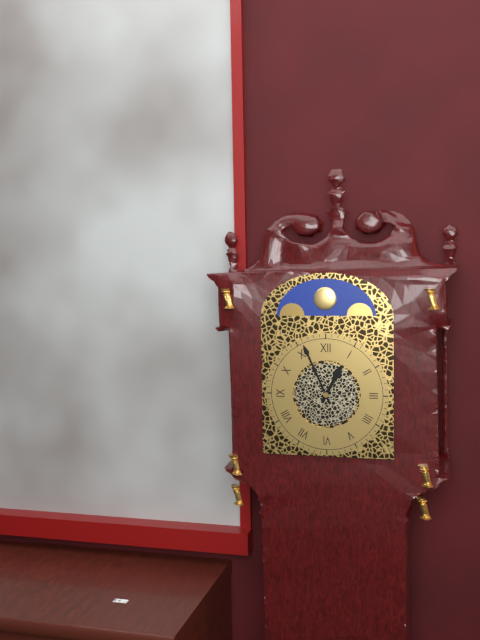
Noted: **12:56**
